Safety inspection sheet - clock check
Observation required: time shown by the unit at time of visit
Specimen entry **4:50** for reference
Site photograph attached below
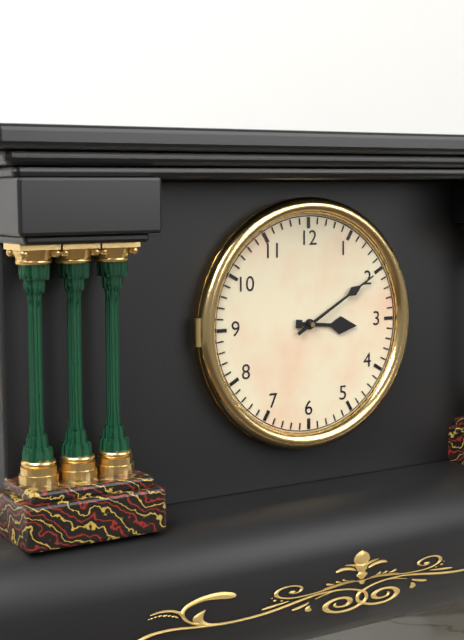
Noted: **3:10**
